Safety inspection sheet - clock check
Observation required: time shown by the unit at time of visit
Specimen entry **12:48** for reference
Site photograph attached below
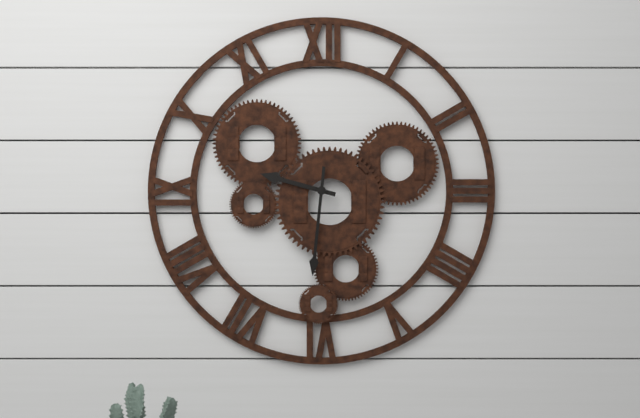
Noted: **9:31**
